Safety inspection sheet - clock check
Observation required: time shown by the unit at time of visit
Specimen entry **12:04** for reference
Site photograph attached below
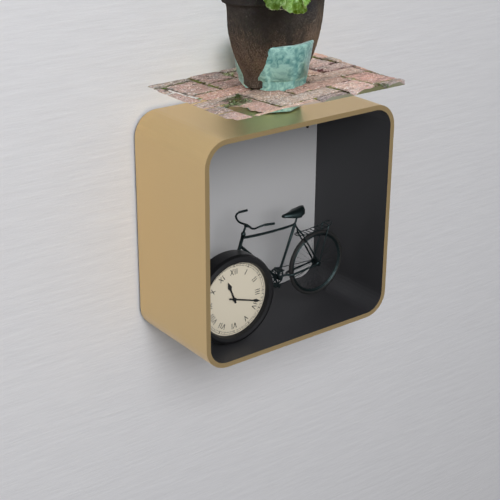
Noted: **11:18**
